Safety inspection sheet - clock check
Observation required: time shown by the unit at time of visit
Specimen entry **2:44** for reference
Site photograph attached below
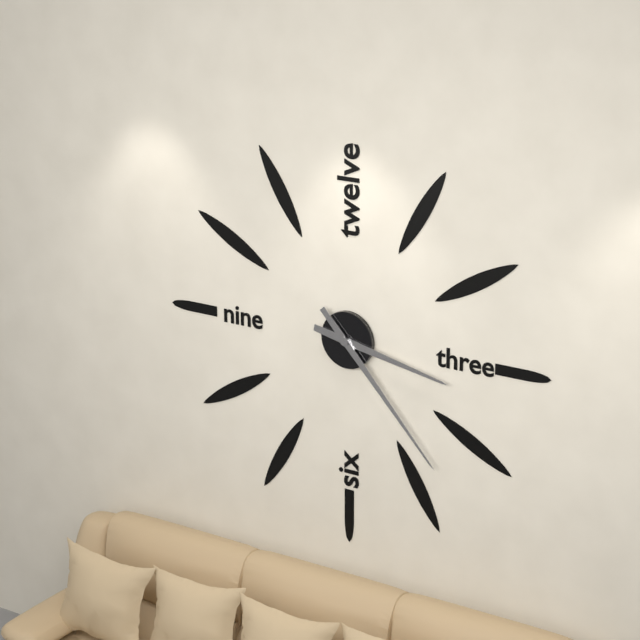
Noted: **3:23**
